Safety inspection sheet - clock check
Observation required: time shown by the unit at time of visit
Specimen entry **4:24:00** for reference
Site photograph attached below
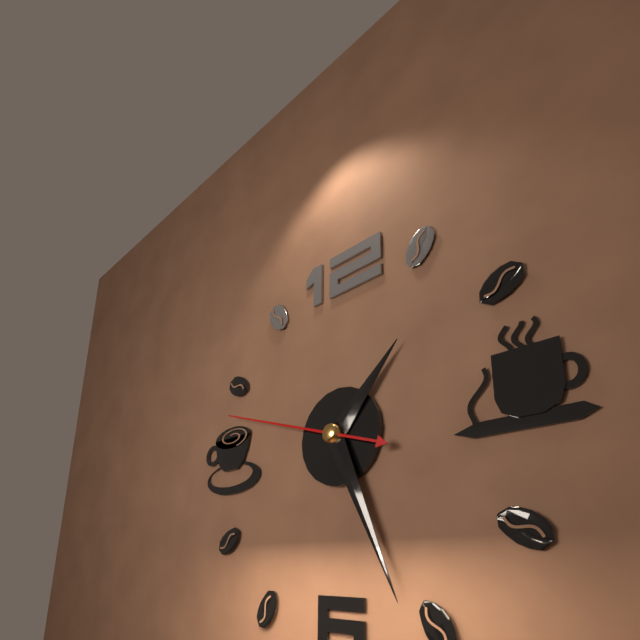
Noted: **1:26:48**
